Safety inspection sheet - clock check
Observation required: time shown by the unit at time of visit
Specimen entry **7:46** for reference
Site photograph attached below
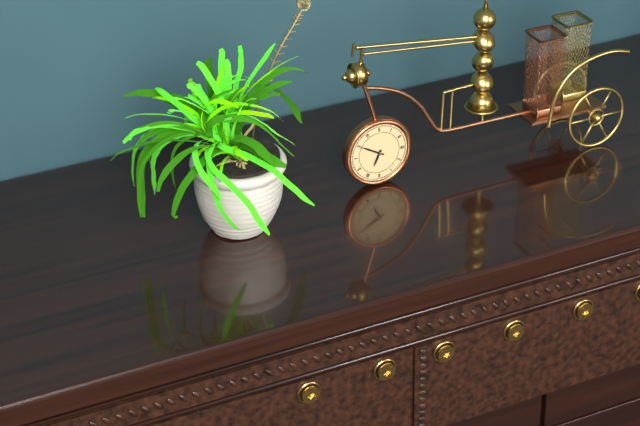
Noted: **6:50**
